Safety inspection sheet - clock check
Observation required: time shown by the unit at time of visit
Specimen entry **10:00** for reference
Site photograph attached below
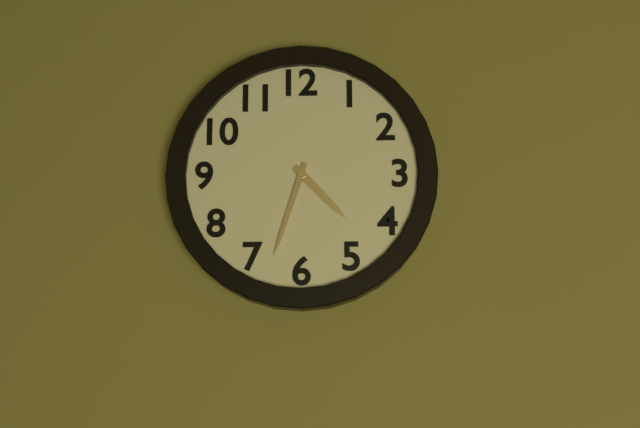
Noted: **4:33**
